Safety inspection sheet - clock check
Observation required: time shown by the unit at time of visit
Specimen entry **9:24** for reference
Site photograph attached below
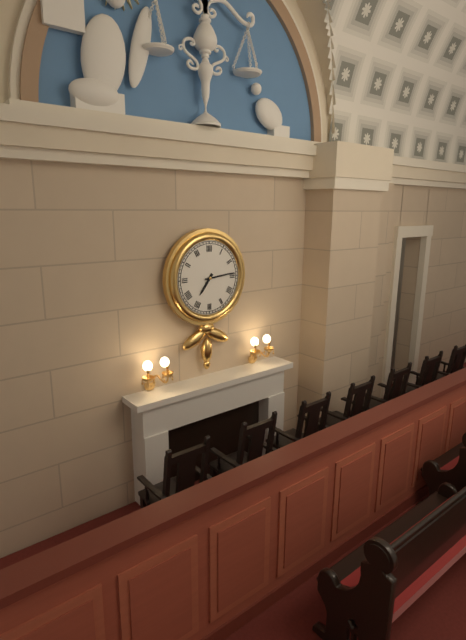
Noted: **7:14**
